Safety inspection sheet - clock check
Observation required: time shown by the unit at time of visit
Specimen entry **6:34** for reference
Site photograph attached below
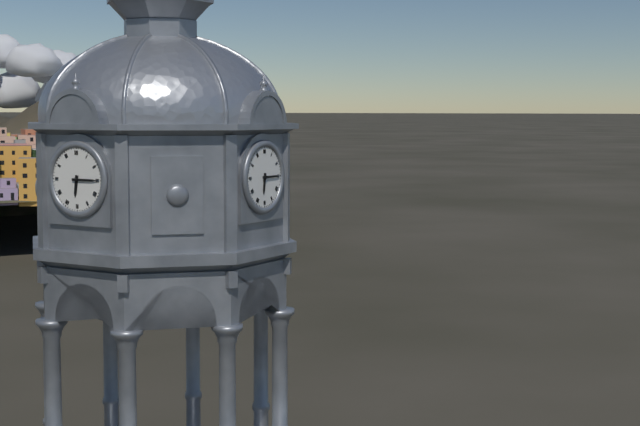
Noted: **6:15**
